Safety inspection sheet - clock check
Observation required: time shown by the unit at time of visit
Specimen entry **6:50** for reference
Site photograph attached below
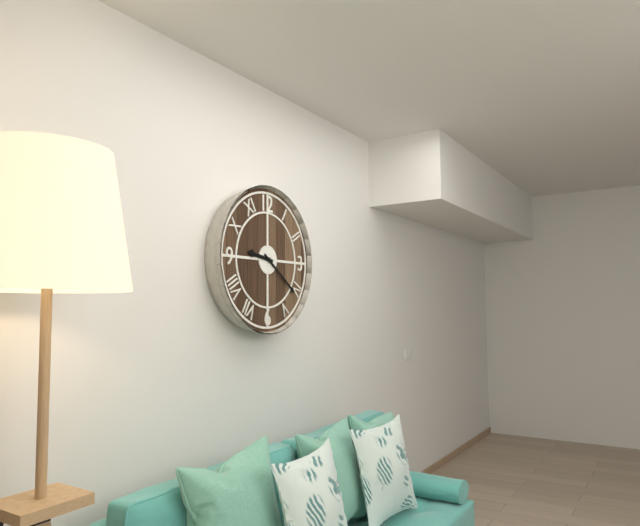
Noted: **9:21**
